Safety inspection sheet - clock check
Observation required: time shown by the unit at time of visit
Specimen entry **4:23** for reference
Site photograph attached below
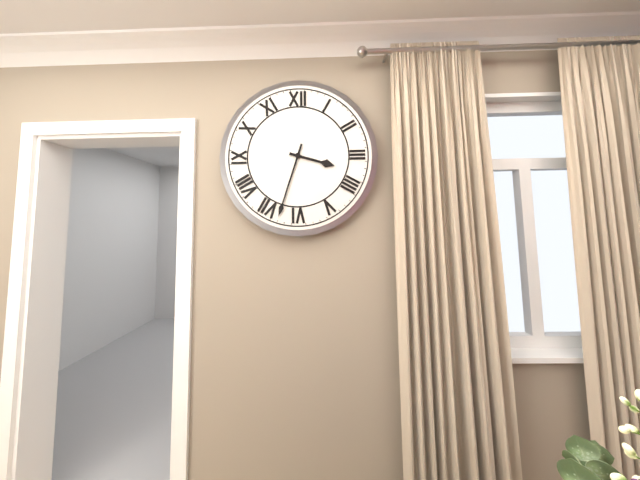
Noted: **3:33**
